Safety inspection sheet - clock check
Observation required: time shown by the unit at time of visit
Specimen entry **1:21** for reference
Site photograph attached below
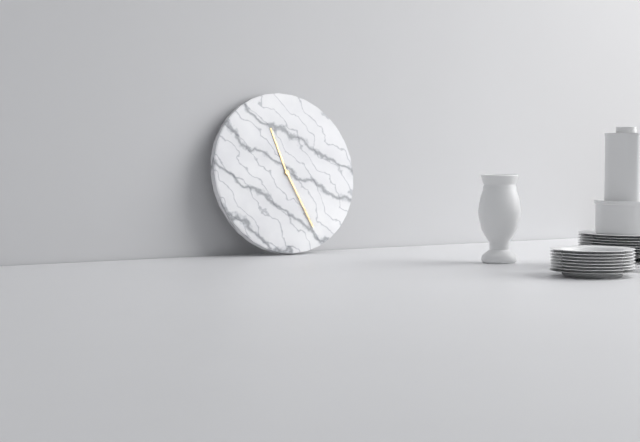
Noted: **11:26**
